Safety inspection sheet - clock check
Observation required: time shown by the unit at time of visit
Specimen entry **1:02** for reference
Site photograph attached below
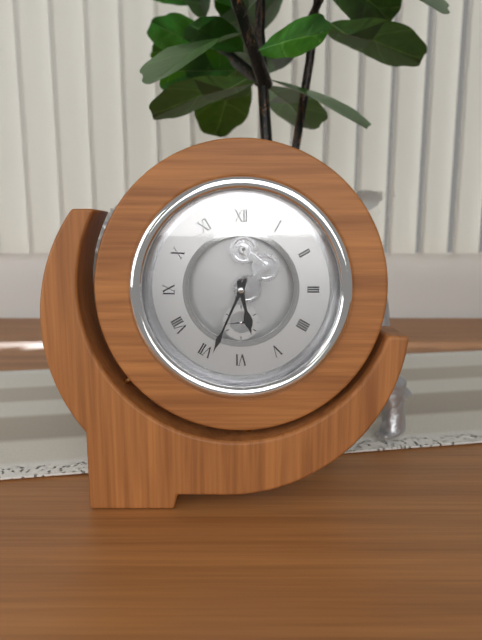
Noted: **5:34**
